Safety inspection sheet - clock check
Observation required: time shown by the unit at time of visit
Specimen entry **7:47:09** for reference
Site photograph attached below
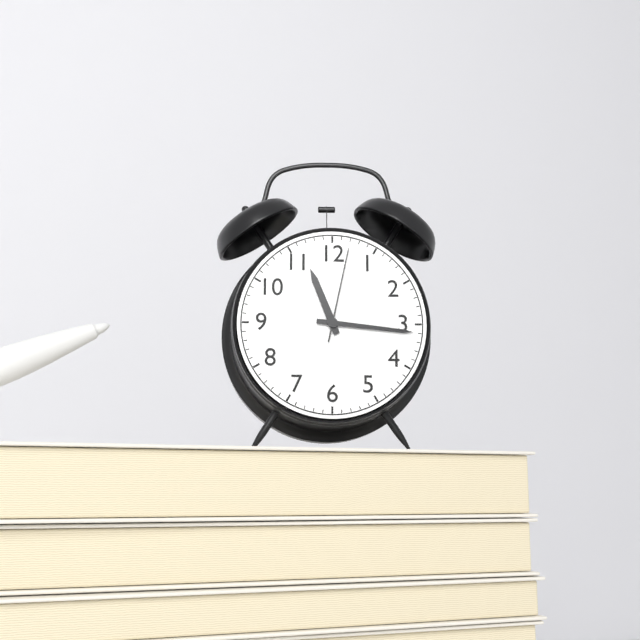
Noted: **11:16:02**
